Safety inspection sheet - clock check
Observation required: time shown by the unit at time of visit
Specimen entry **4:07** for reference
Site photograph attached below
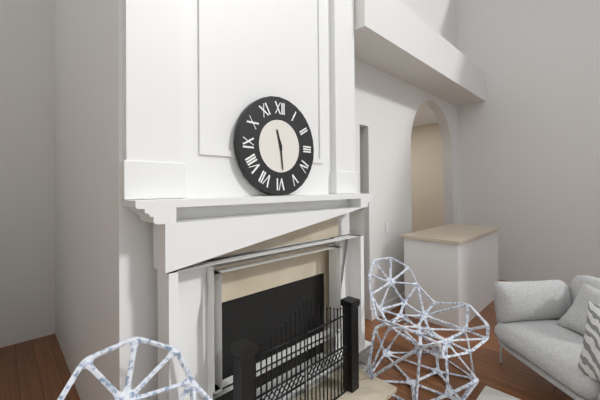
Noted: **11:29**
